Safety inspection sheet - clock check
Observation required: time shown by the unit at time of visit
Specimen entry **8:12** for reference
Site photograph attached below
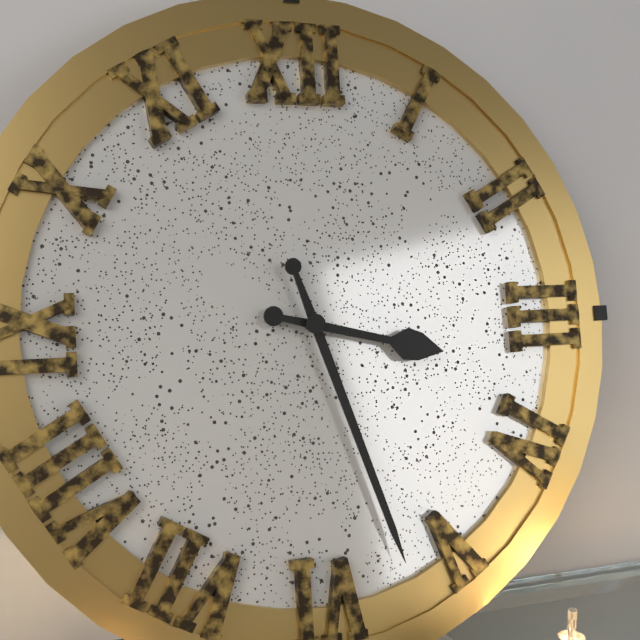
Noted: **3:27**
